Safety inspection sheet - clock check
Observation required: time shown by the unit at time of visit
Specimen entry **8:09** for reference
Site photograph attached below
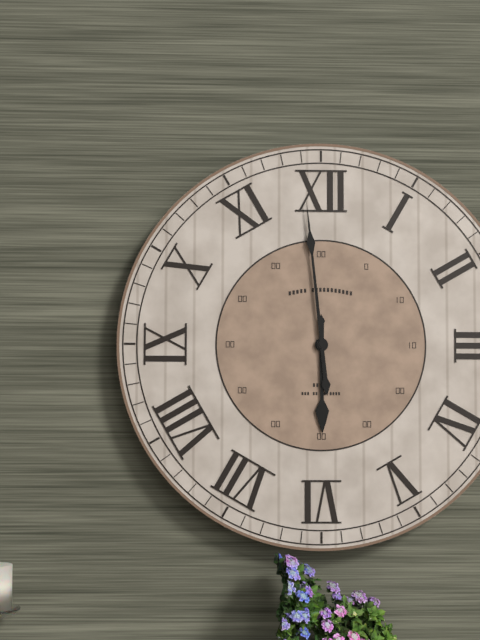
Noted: **5:59**
